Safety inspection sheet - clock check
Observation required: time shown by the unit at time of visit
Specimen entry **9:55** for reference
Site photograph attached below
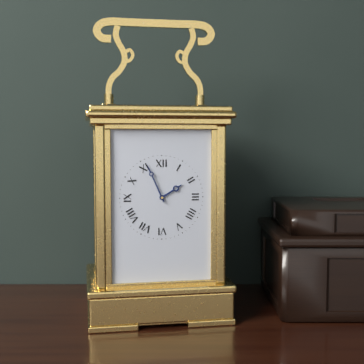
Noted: **1:56**
